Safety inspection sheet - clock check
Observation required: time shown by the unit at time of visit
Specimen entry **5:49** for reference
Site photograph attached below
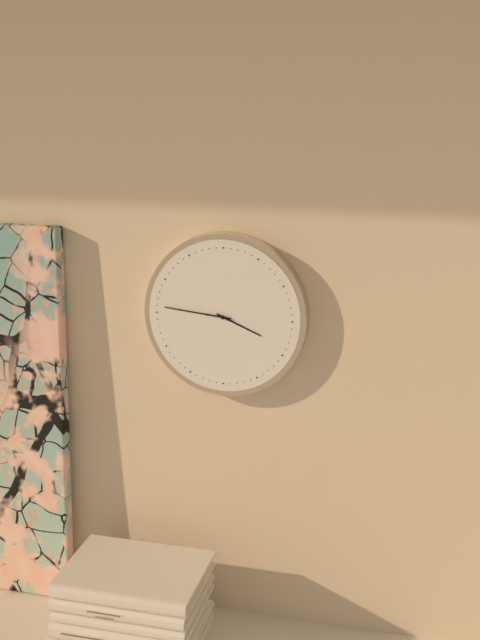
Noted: **3:46**
